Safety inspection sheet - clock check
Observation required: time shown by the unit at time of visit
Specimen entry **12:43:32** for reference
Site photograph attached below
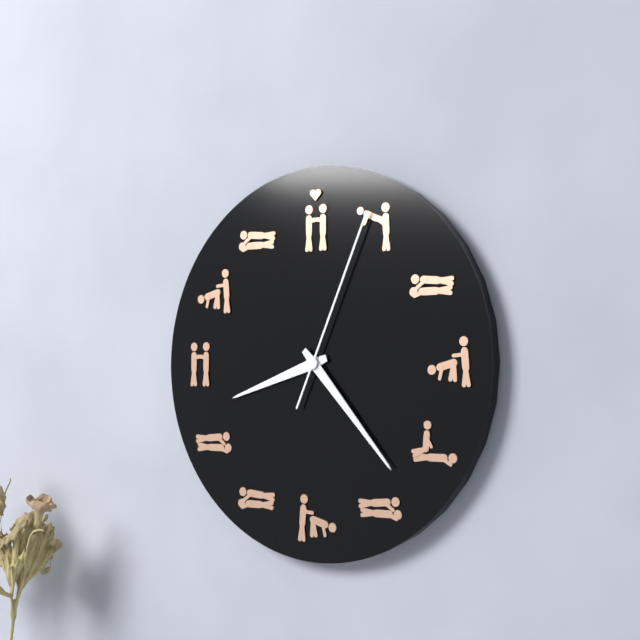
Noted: **8:23:04**
